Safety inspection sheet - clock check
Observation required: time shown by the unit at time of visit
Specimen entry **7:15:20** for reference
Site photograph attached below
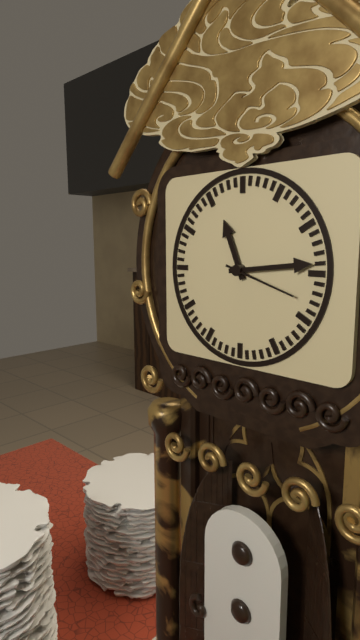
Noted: **11:14:18**
